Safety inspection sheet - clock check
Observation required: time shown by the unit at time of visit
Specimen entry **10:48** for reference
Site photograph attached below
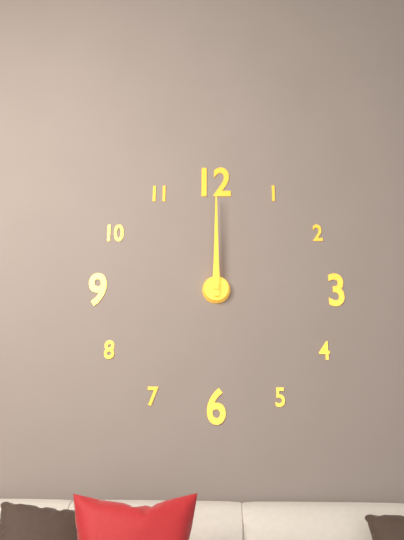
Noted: **12:00**
